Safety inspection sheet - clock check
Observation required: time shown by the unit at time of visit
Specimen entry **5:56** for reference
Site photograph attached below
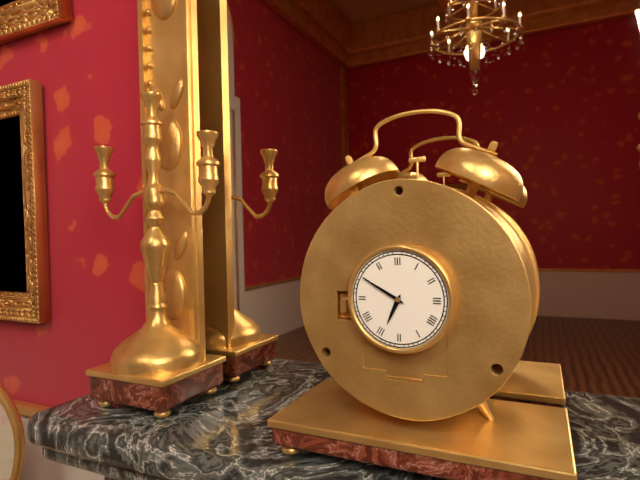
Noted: **6:50**
